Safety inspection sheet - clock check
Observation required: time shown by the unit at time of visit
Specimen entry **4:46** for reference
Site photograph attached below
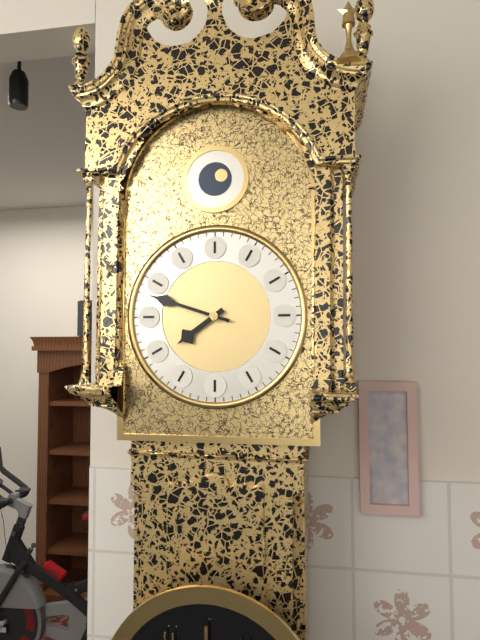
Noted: **7:48**
